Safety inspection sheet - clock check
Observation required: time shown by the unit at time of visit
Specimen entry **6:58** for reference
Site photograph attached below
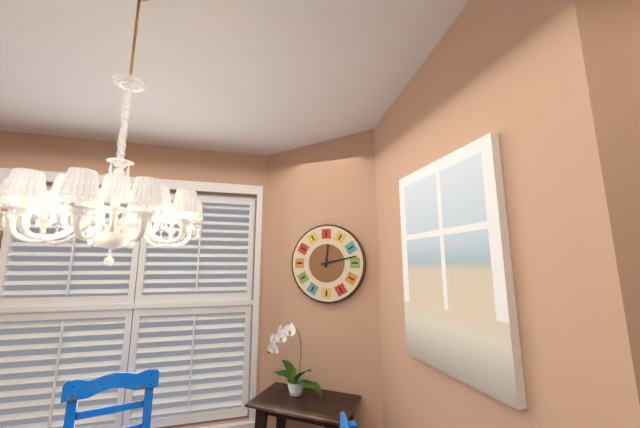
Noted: **12:13**
